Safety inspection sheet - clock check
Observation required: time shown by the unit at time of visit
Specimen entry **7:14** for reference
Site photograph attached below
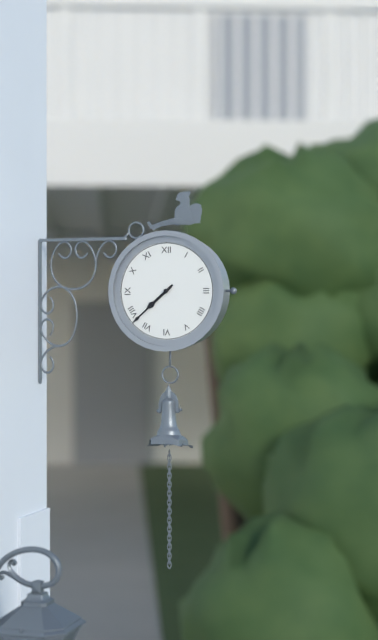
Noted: **7:38**
